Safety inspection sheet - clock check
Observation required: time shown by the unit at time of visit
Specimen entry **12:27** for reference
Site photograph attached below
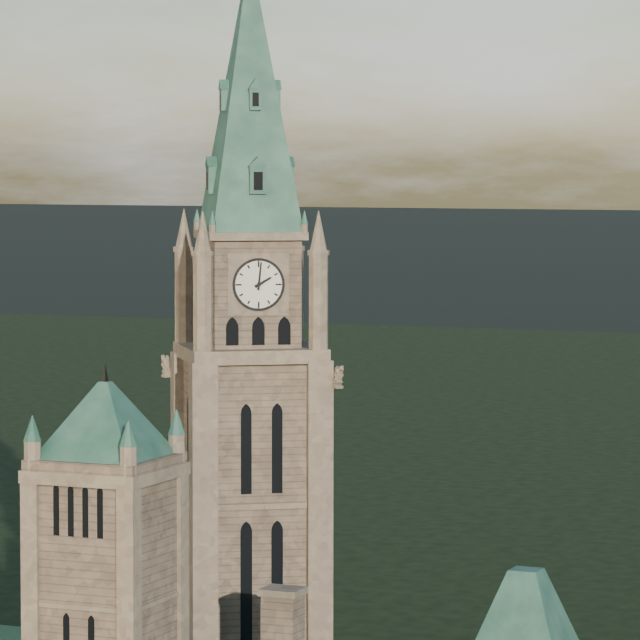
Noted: **2:01**
